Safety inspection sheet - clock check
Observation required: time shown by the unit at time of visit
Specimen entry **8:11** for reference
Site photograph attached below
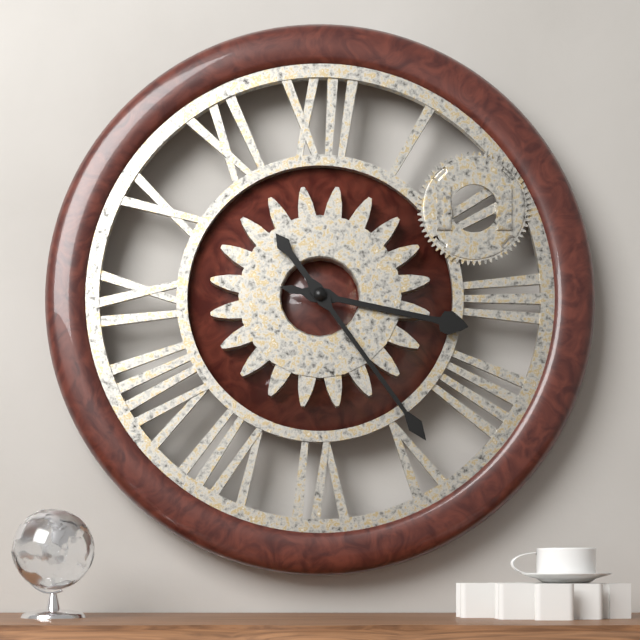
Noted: **3:24**
